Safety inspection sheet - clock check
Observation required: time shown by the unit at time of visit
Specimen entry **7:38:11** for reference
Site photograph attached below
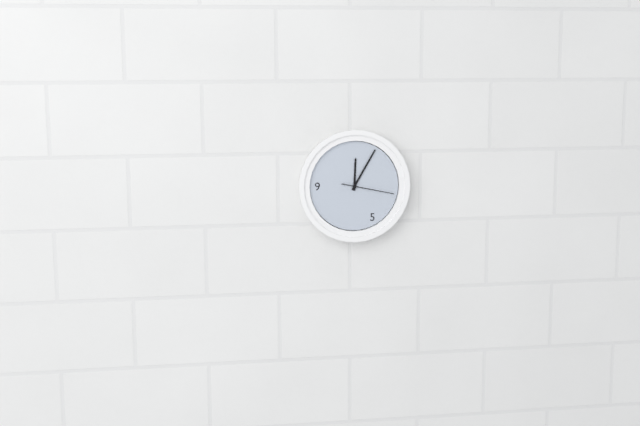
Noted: **12:05:17**
